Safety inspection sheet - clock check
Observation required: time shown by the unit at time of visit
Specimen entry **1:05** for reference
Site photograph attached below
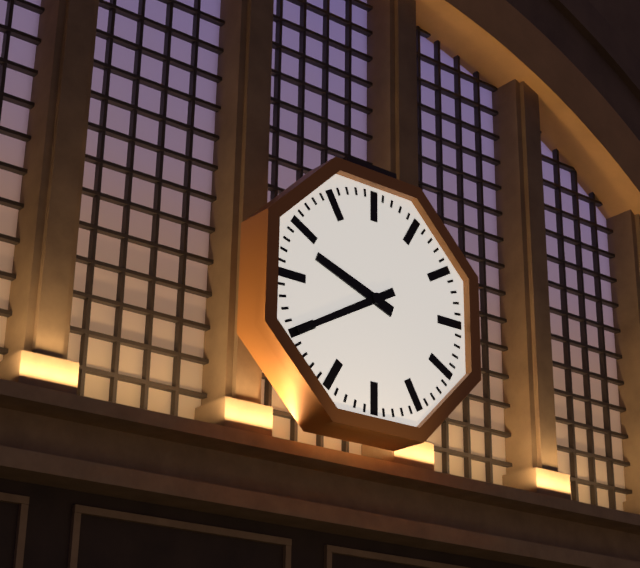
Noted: **9:40**
